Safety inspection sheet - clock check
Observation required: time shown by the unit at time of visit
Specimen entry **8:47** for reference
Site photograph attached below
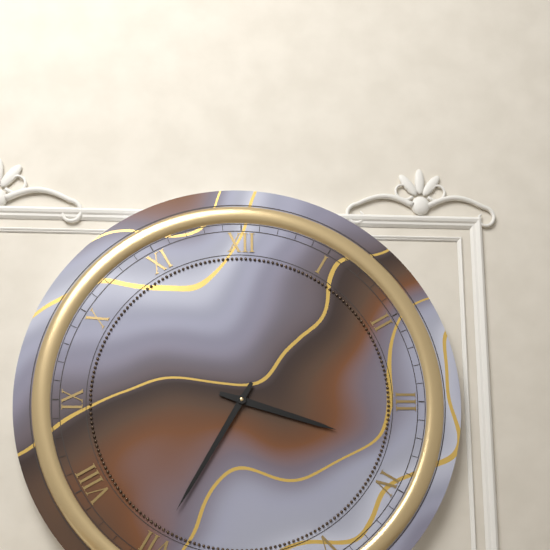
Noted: **3:35**
